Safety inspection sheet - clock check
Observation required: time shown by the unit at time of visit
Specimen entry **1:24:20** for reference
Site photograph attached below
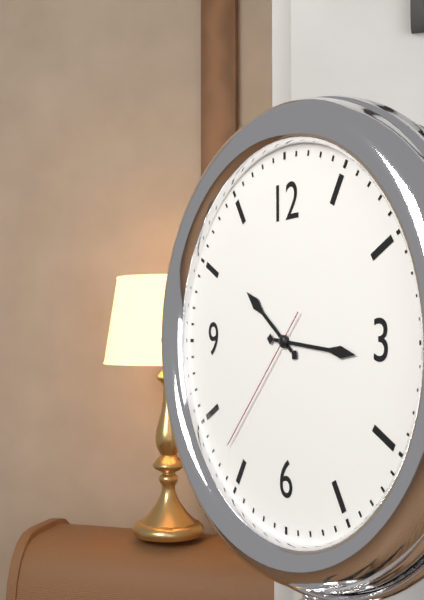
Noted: **10:16:37**
